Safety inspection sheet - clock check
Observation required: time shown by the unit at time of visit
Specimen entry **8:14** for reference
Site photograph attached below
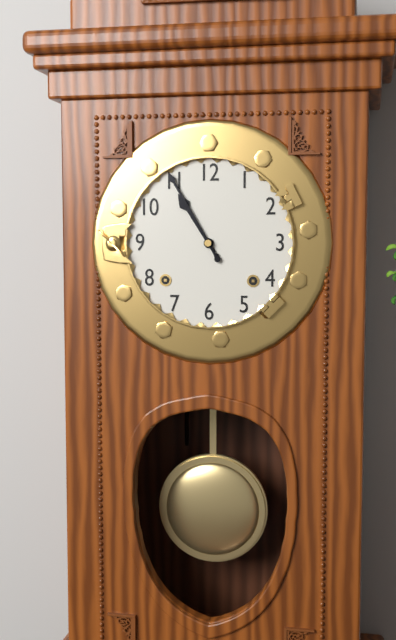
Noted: **10:55**
